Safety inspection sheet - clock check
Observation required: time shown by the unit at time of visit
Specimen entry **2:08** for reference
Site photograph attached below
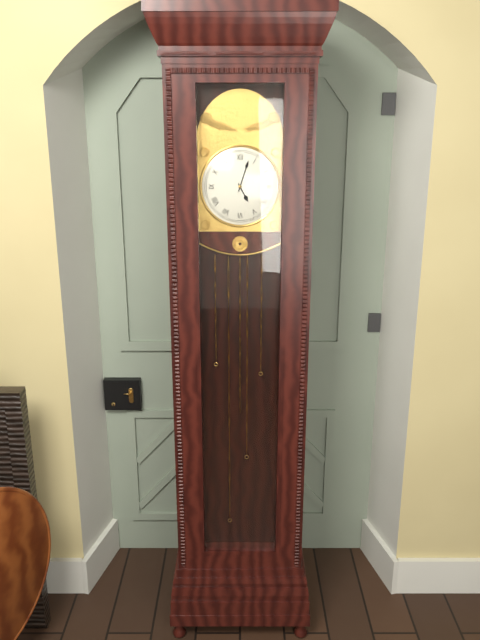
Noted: **5:03**
